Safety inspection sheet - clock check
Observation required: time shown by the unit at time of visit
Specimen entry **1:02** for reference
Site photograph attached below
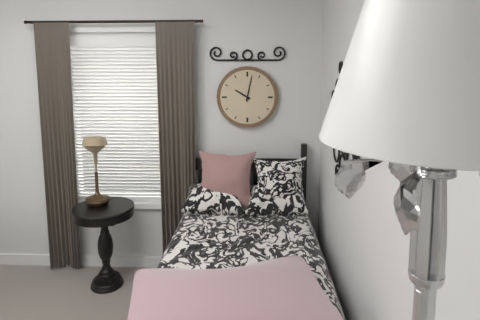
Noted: **10:02**
